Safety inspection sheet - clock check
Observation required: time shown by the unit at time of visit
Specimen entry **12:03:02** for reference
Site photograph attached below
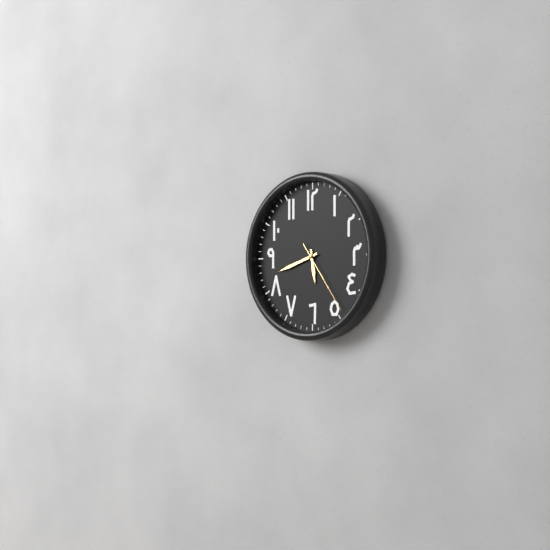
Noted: **5:42:24**
